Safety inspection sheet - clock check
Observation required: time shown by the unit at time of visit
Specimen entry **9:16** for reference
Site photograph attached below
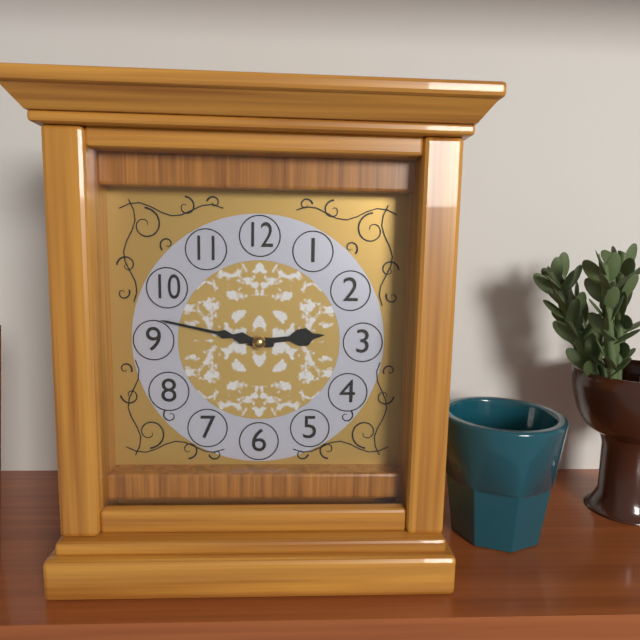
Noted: **2:47**
